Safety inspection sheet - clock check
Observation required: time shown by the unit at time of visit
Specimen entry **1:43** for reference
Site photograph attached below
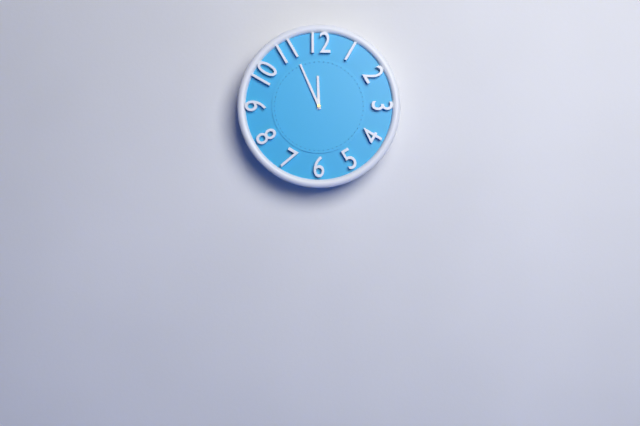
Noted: **11:56**
